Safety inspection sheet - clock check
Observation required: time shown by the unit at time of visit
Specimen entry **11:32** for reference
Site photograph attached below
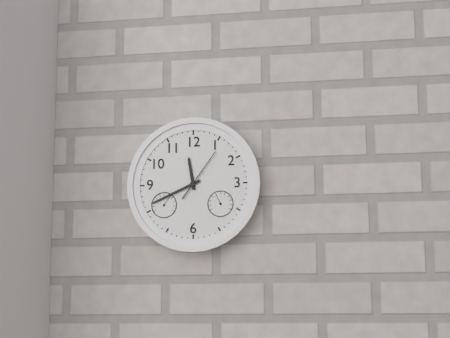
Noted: **11:41**
